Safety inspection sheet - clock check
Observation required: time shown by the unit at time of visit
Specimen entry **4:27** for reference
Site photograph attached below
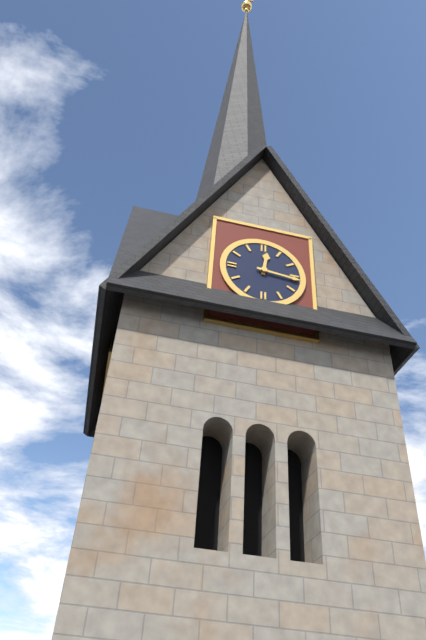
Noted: **12:16**
